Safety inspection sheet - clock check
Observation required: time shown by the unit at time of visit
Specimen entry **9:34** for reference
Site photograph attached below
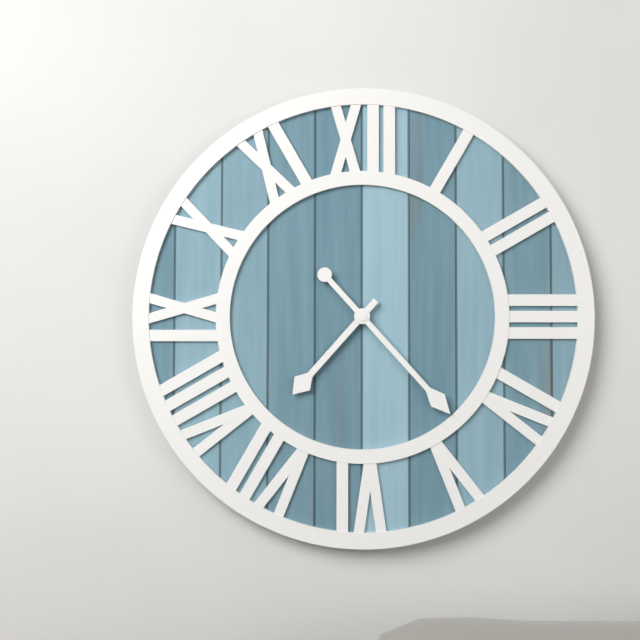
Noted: **7:23**
